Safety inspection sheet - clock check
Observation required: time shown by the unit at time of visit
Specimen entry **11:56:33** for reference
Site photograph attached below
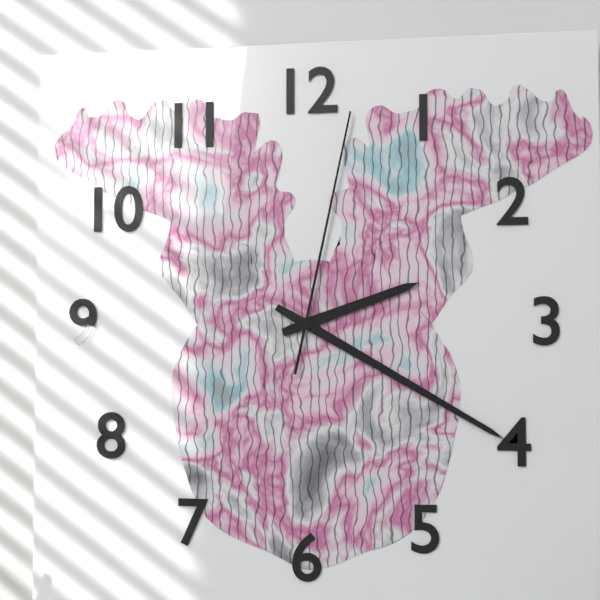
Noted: **2:20:02**
